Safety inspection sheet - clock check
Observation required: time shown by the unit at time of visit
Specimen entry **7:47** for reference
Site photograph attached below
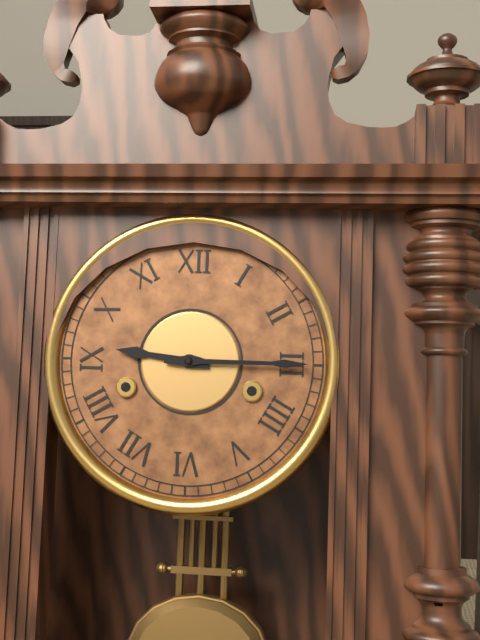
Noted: **9:15**
